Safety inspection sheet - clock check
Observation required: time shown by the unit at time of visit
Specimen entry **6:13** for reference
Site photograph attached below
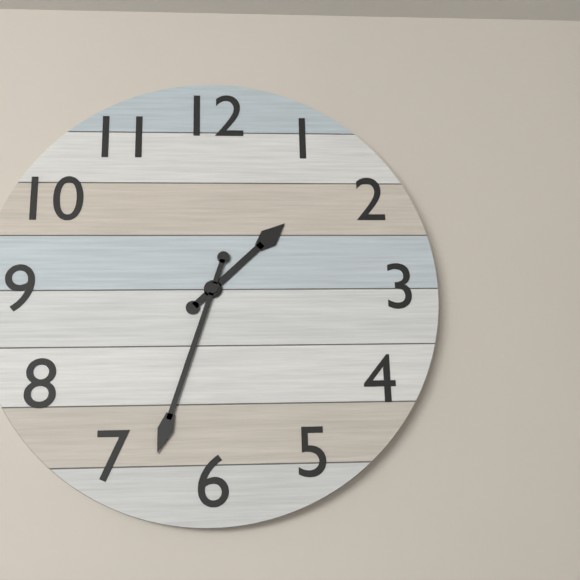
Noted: **1:33**
